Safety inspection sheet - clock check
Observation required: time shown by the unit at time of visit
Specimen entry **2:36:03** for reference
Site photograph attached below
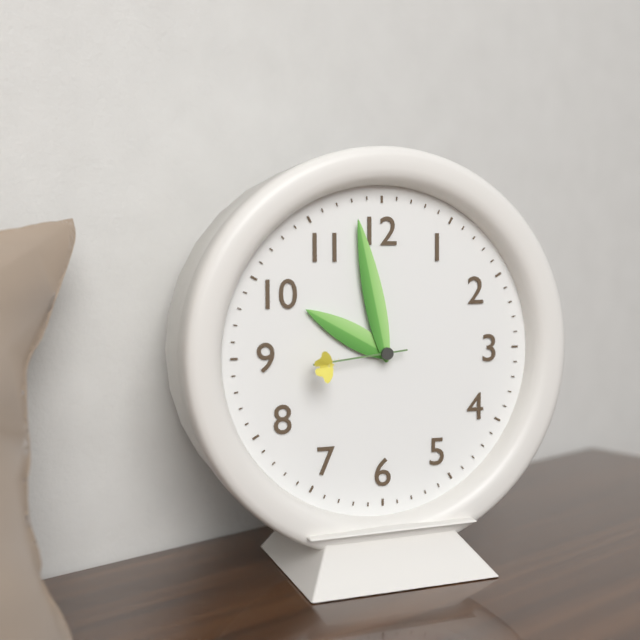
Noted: **9:58:44**
